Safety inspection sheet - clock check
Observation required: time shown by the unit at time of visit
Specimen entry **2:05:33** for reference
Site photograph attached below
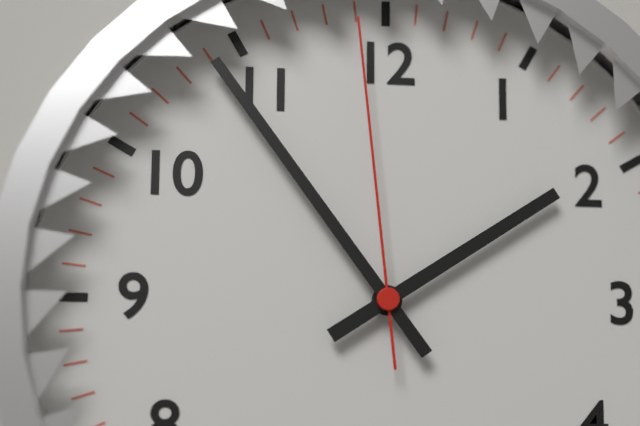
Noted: **1:54:59**
